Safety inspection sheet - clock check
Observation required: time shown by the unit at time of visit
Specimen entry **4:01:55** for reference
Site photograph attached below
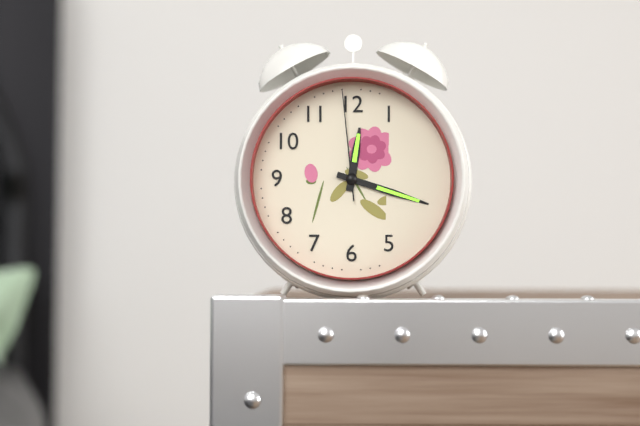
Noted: **12:18:59**
